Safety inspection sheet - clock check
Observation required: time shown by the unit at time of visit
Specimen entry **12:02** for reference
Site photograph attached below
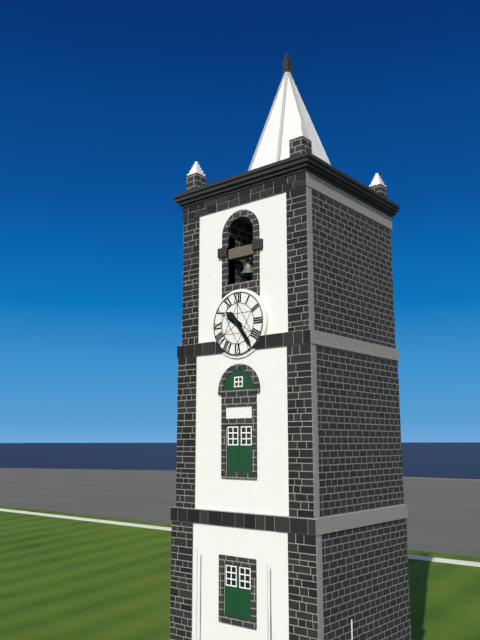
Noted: **10:24**
